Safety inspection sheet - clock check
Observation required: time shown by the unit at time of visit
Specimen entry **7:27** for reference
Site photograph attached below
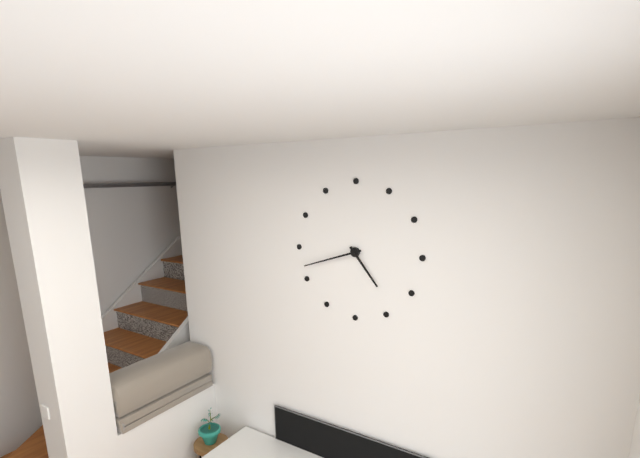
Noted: **4:42**
